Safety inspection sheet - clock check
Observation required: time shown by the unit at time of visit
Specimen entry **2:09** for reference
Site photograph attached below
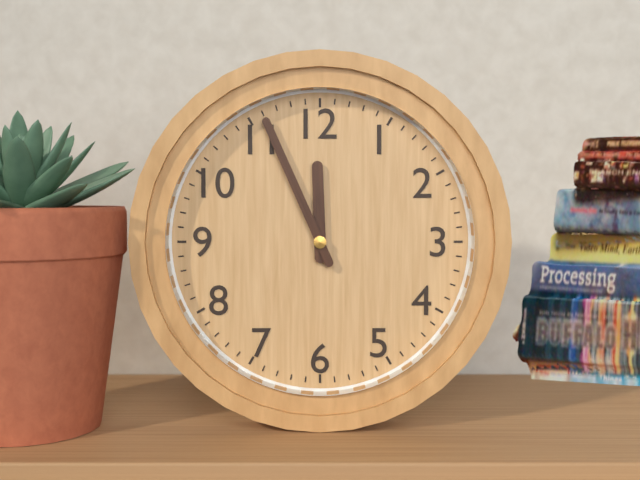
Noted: **11:56**
